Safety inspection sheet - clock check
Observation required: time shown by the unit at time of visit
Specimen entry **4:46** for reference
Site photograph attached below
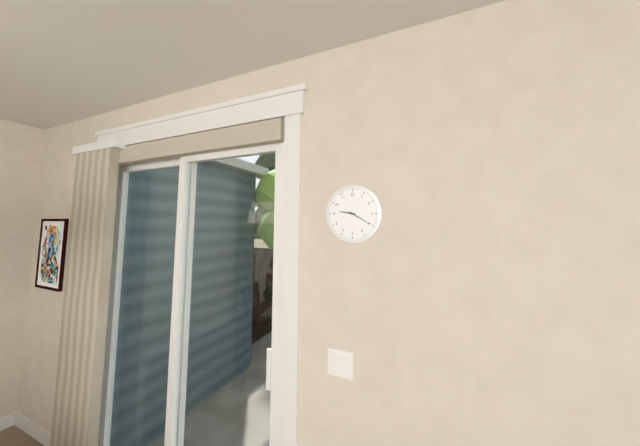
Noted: **9:20**
